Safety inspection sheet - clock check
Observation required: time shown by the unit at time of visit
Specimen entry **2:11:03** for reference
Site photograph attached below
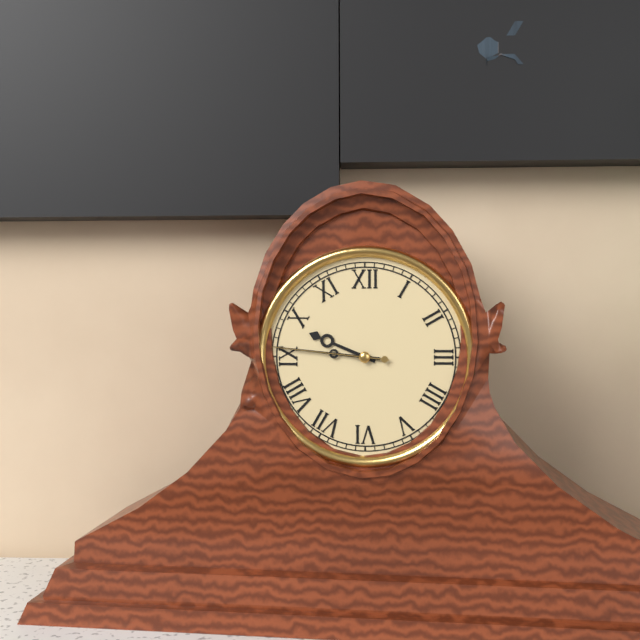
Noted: **9:46:46**
